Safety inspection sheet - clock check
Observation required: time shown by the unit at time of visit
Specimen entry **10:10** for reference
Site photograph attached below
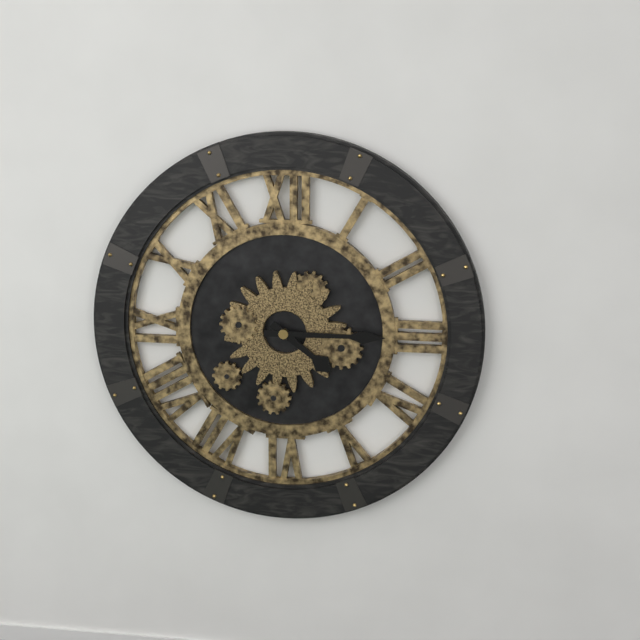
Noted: **4:15**
